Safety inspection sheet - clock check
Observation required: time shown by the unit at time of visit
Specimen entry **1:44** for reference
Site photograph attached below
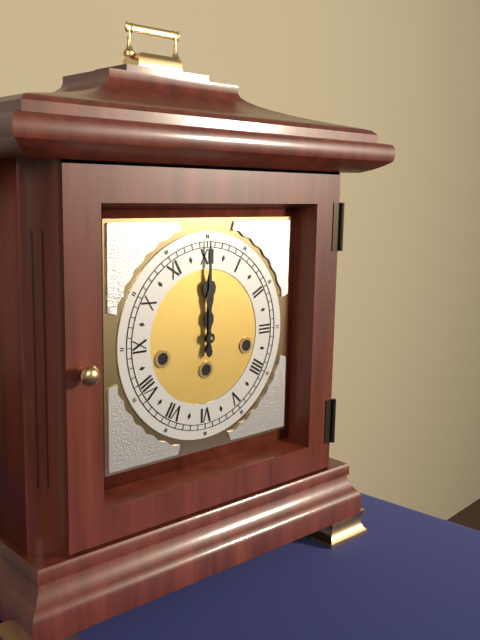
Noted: **12:00**
